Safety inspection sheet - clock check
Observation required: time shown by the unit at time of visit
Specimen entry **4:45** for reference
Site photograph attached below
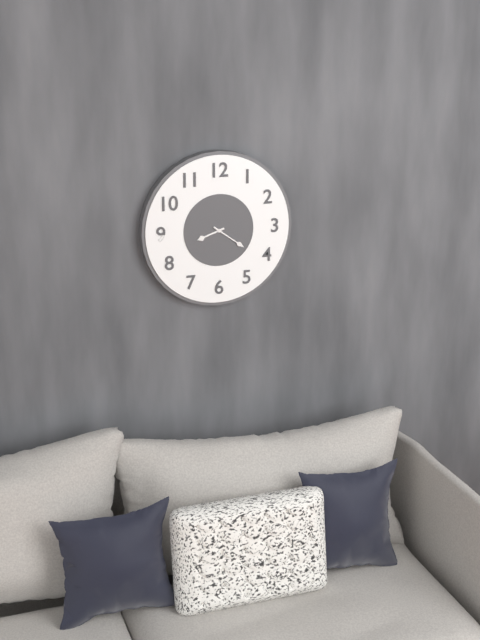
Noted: **8:21**
